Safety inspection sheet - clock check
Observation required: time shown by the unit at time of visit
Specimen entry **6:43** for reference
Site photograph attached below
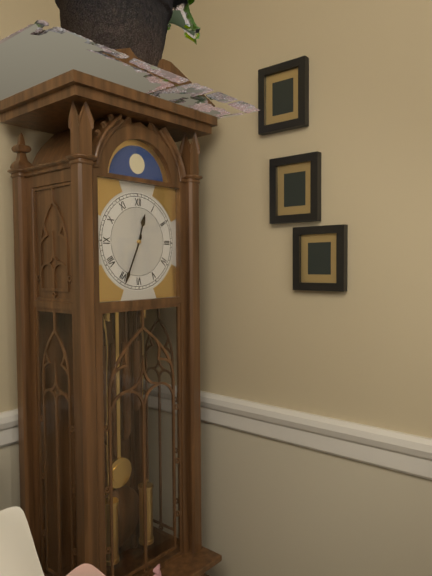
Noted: **12:34**
